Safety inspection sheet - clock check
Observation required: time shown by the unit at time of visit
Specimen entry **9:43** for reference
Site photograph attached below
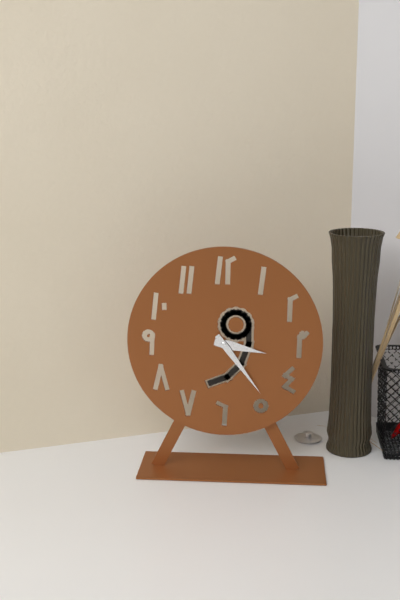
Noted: **3:24**
